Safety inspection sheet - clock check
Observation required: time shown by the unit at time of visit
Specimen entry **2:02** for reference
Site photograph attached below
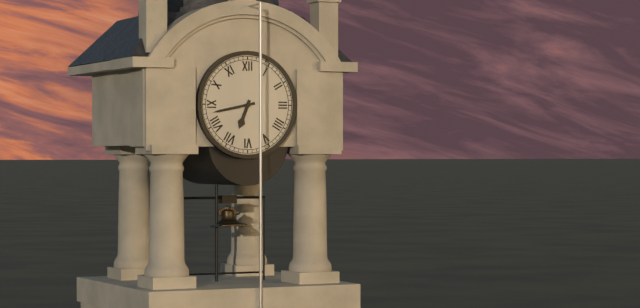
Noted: **6:43**
